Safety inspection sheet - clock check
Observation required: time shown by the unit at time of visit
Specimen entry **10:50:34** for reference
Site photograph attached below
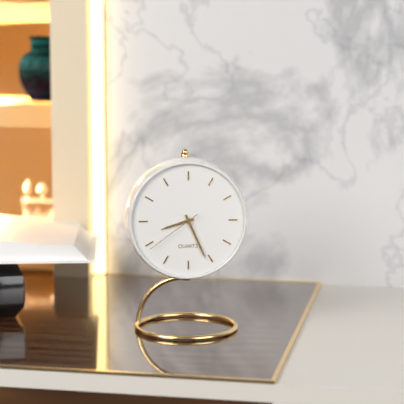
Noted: **8:26:39**
